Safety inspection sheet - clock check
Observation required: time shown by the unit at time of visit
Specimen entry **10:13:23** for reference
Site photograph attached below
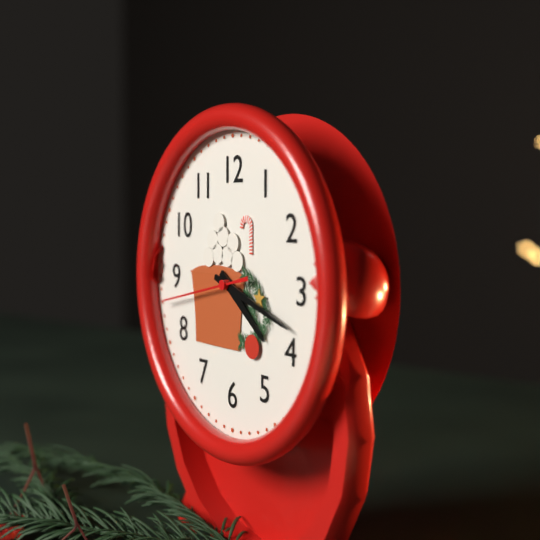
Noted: **4:18:43**
